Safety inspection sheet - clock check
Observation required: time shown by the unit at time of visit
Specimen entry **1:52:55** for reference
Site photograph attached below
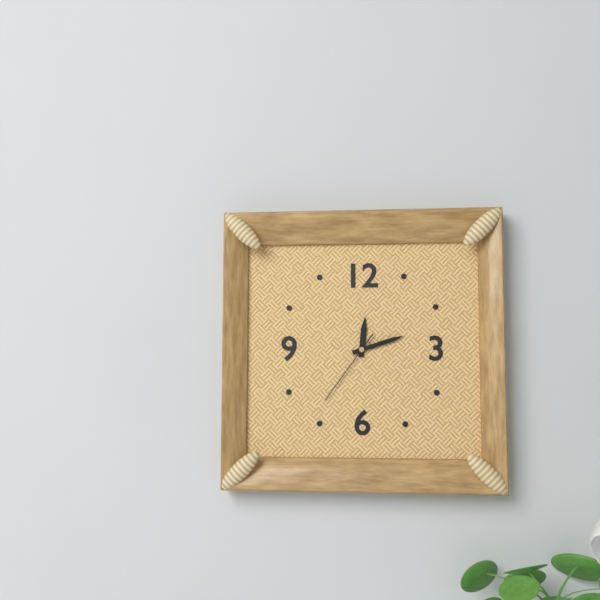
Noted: **12:12:36**
